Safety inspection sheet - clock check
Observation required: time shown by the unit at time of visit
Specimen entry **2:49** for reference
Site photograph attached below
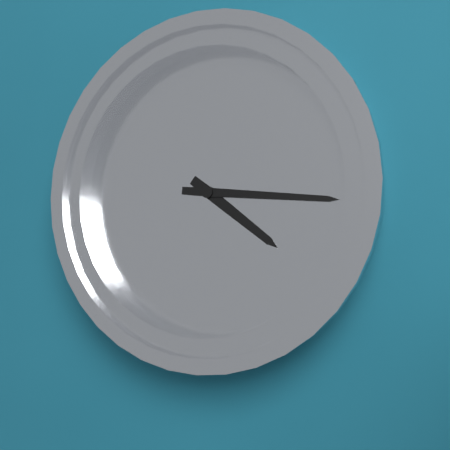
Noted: **4:16**
